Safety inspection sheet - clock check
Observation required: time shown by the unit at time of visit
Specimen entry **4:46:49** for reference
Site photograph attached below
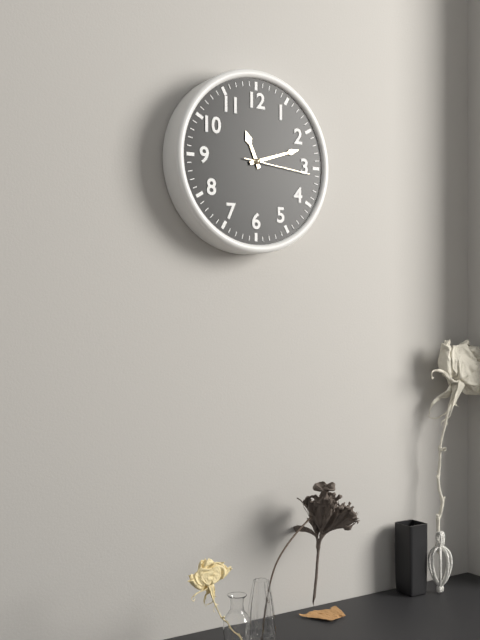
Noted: **11:12:16**
